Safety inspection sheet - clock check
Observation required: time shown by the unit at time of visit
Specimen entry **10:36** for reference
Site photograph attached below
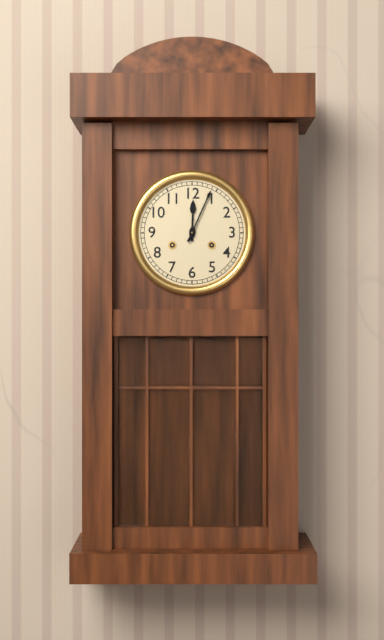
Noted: **12:04**
